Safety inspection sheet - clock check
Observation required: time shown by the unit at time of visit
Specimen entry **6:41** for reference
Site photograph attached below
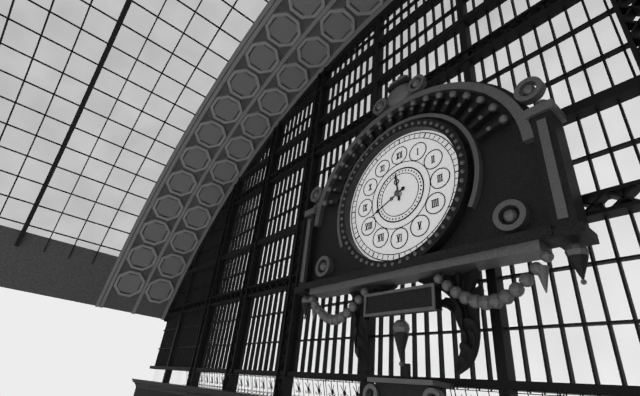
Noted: **11:41**
